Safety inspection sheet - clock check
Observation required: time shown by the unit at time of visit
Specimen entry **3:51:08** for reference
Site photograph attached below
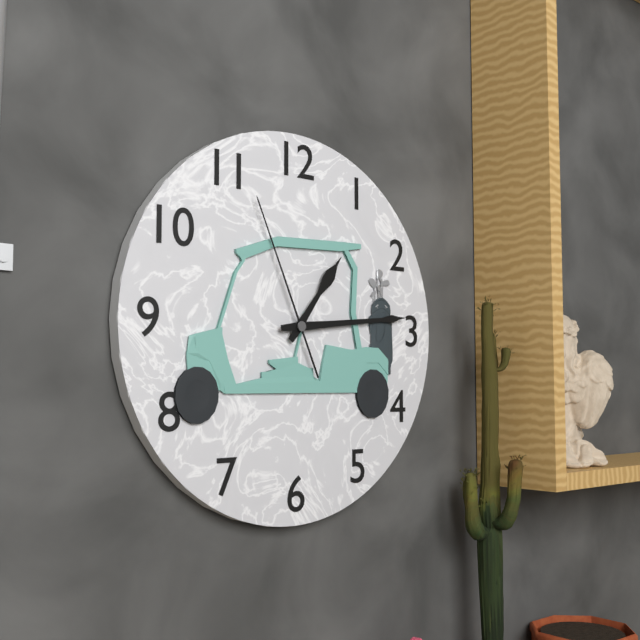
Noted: **1:14:56**
